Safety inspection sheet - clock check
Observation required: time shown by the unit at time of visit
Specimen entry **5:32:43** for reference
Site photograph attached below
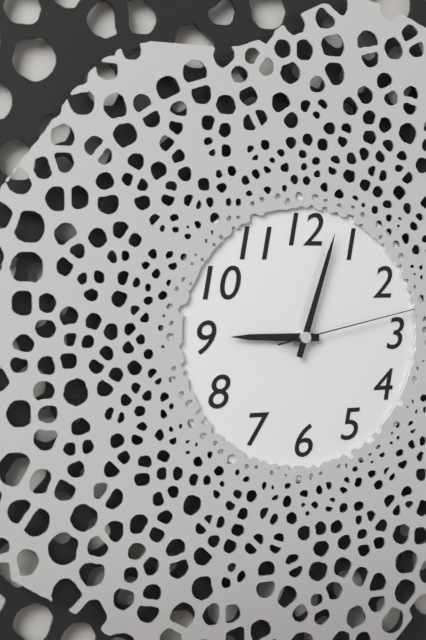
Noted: **9:03:13**
